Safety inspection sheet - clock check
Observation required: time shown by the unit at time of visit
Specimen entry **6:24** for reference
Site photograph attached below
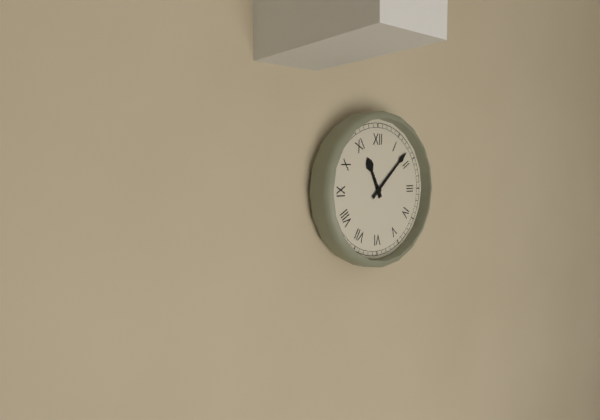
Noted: **11:08**
